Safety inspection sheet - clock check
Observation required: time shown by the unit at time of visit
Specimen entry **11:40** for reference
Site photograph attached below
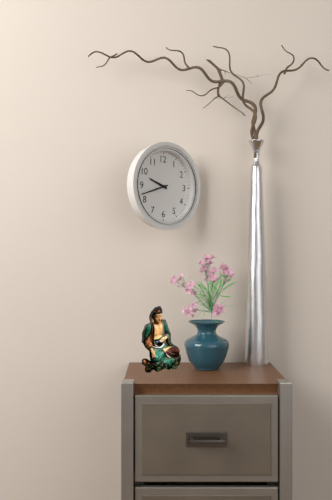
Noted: **9:42**
